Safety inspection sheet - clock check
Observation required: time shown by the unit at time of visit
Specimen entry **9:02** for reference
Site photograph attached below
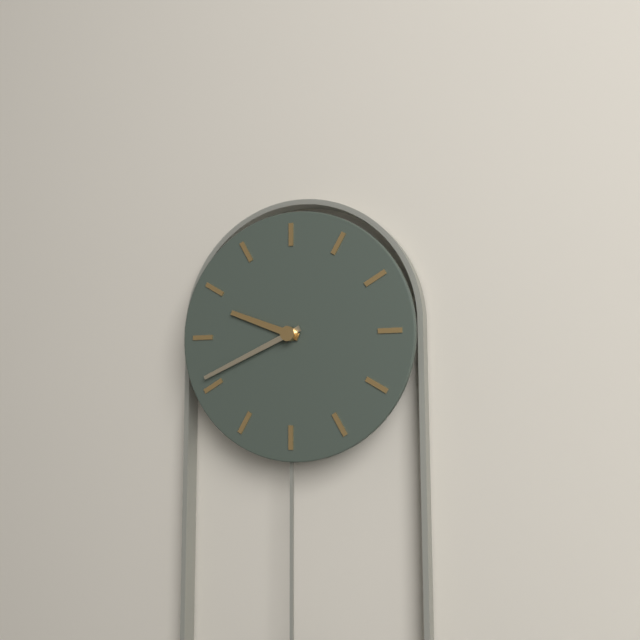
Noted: **9:41**
